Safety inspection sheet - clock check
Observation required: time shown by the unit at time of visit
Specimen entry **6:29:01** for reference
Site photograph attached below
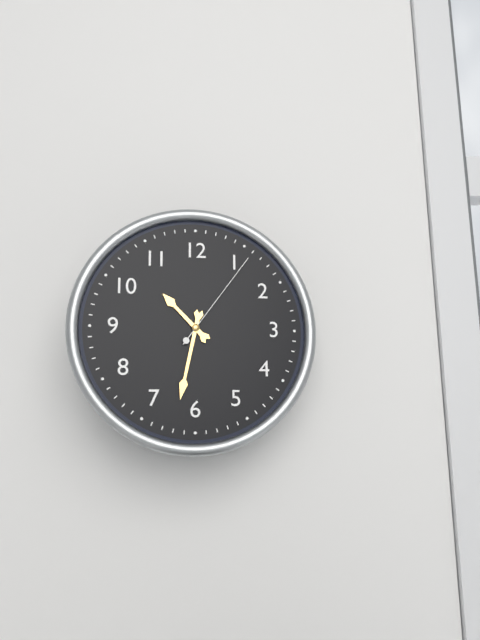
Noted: **10:32:06**
